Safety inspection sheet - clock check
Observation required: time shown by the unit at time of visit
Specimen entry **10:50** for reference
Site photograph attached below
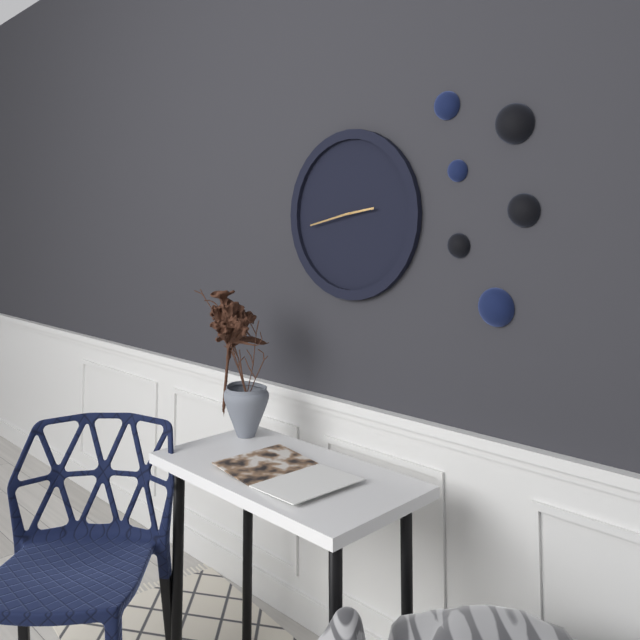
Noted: **2:43**
